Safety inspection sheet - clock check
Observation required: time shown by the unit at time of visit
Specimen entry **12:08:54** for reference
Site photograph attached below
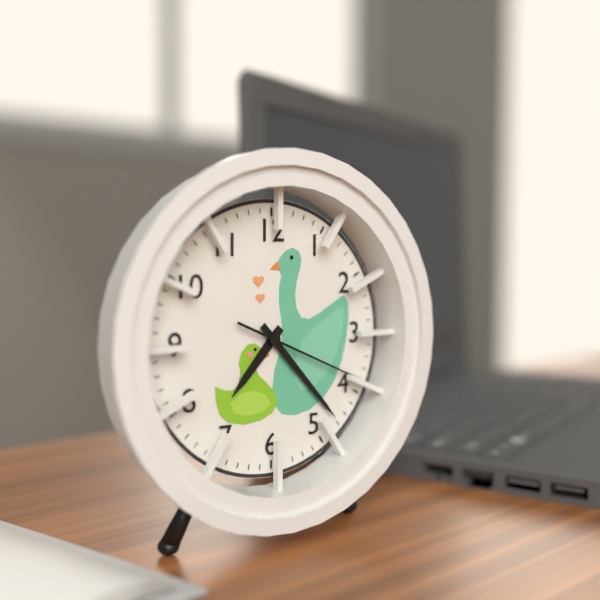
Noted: **7:23:19**
